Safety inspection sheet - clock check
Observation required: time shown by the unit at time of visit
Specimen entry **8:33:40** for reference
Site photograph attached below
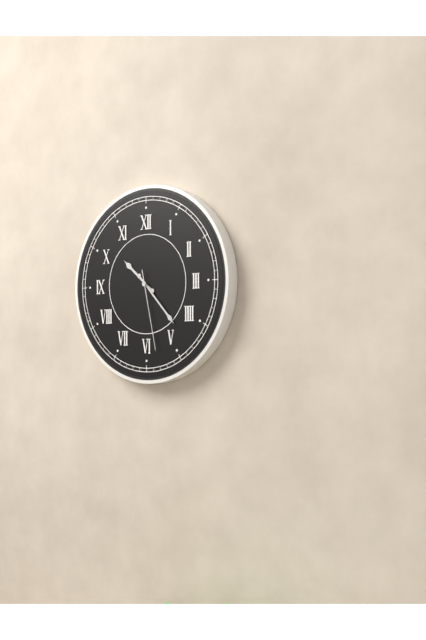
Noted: **10:23:28**
